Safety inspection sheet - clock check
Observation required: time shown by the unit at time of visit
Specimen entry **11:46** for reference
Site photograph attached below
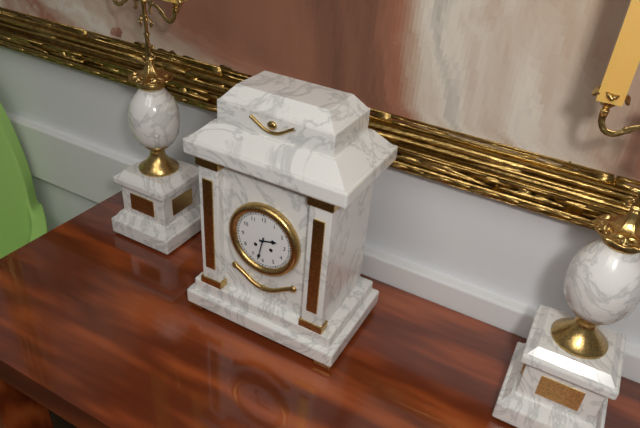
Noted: **2:32**
